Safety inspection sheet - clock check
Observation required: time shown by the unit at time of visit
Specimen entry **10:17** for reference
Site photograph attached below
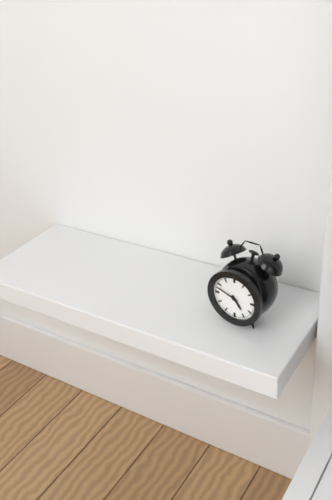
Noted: **4:48**
